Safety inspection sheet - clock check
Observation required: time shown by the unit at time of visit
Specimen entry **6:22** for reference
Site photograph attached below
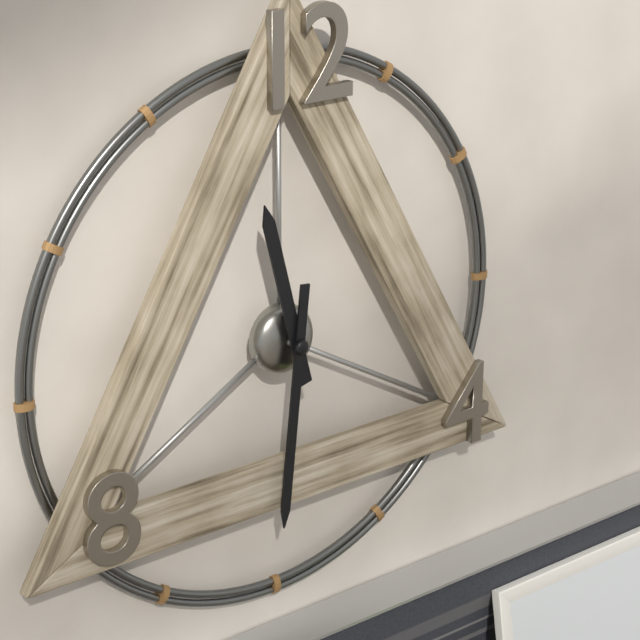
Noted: **11:31**
